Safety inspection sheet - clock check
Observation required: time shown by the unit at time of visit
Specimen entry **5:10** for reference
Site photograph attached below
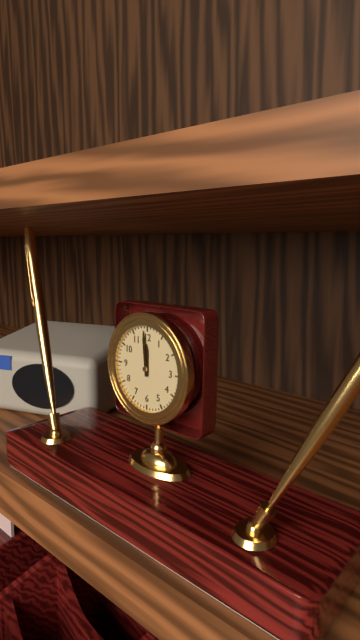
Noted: **11:59**
